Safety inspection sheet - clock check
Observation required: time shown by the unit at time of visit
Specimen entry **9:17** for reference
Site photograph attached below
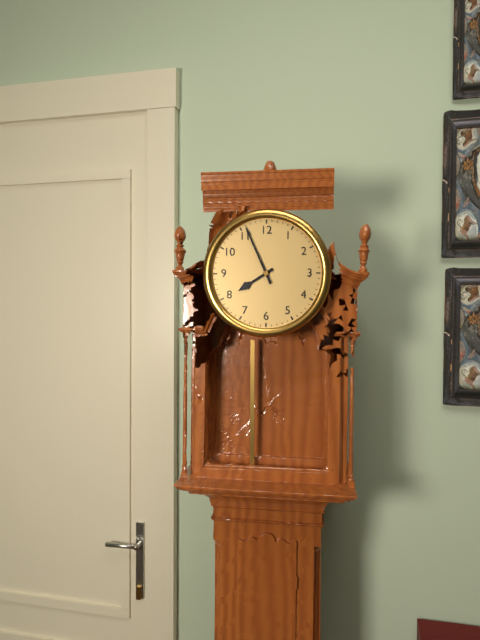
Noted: **7:56**
